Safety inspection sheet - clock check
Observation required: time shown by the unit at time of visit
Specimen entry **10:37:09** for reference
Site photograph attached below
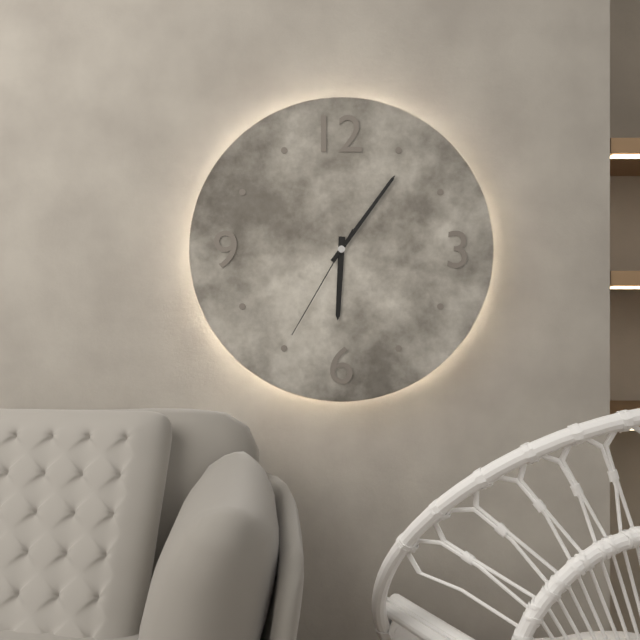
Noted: **6:06:35**
